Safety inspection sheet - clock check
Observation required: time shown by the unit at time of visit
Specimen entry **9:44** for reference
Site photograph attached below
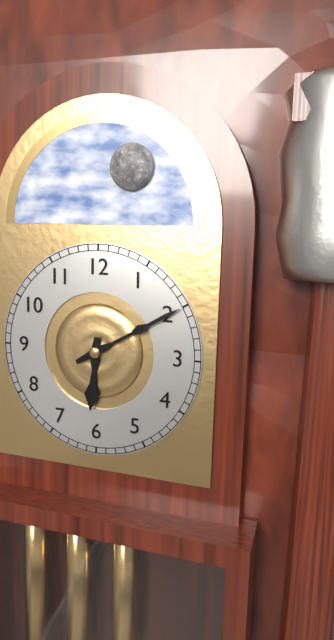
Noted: **6:10**
